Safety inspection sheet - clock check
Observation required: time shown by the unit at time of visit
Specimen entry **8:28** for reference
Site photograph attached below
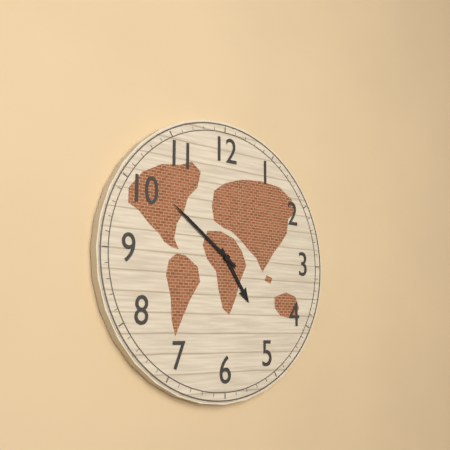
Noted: **4:51**
